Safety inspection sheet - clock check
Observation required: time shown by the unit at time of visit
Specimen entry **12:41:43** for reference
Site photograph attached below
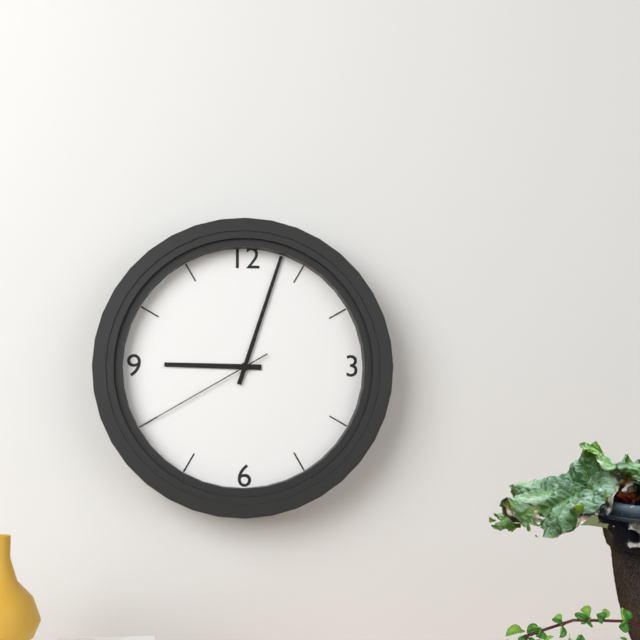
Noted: **9:03:40**
